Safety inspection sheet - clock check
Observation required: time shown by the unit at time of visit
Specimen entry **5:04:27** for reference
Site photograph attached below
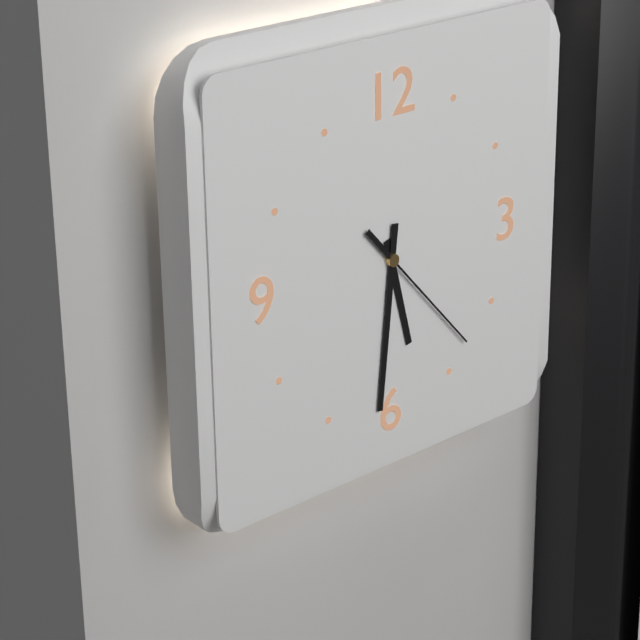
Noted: **5:31:23**
